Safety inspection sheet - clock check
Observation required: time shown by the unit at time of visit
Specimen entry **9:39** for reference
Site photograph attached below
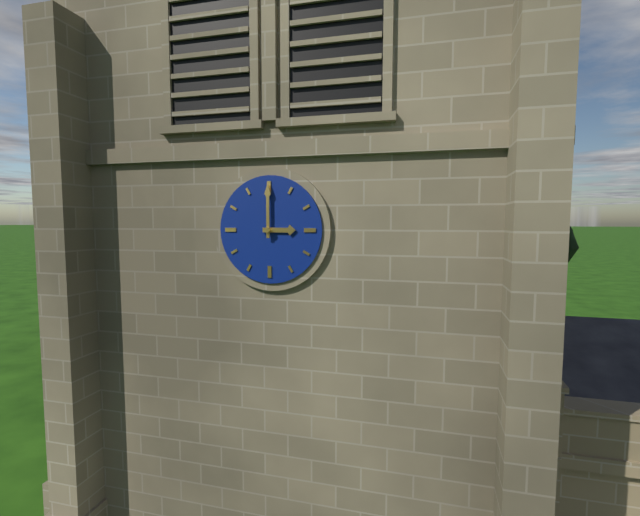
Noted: **3:00**
